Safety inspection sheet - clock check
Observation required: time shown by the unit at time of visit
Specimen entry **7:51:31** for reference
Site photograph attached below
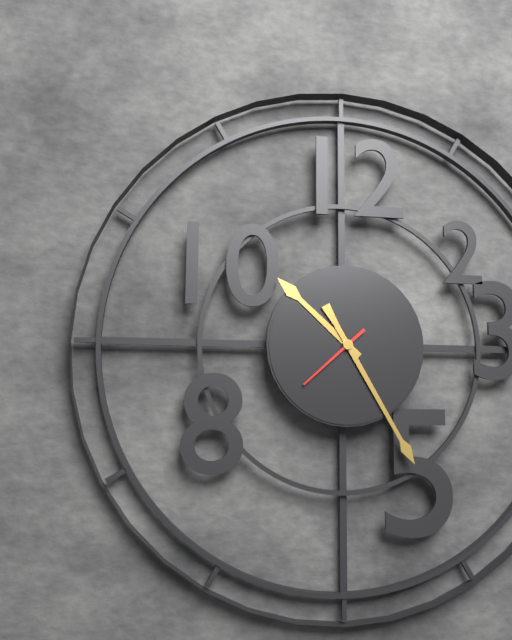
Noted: **10:25:38**
